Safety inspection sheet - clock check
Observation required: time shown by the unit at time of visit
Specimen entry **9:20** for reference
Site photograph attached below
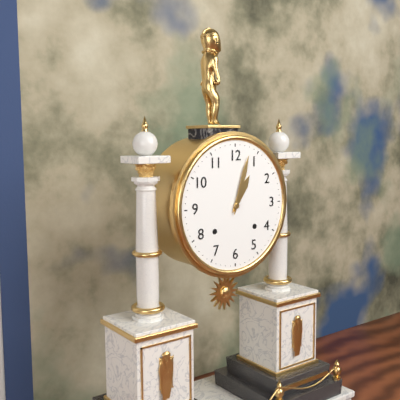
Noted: **1:03**
